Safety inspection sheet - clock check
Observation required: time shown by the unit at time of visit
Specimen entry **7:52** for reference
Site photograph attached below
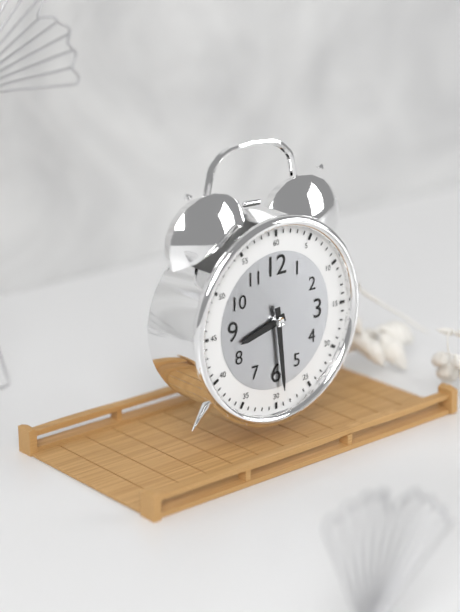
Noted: **8:29**
